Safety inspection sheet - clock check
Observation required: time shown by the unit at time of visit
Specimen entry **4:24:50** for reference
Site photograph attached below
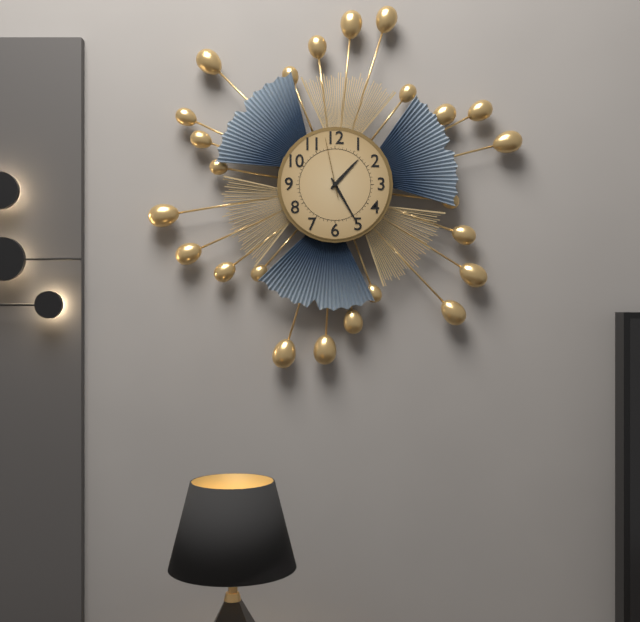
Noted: **1:25:58**
